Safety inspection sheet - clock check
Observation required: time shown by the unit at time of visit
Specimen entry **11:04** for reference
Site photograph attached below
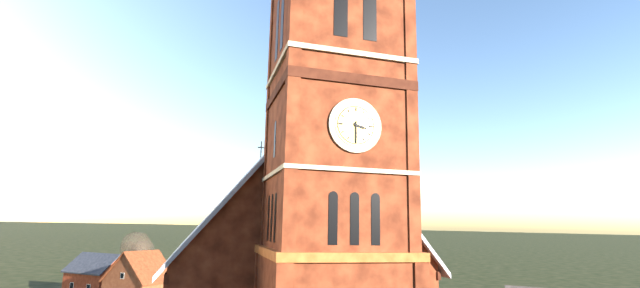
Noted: **3:30**
